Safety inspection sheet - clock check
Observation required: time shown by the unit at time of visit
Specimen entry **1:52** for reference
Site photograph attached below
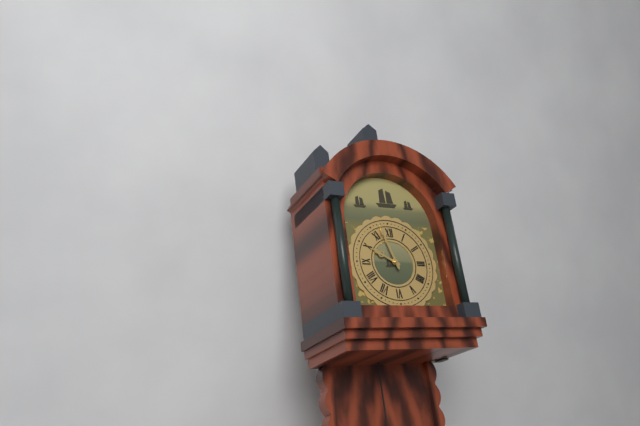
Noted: **9:57**
